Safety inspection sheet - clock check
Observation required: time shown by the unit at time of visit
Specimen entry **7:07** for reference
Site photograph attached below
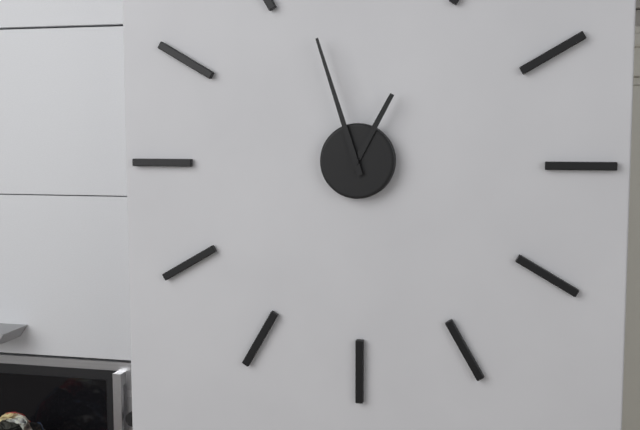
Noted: **12:57**
